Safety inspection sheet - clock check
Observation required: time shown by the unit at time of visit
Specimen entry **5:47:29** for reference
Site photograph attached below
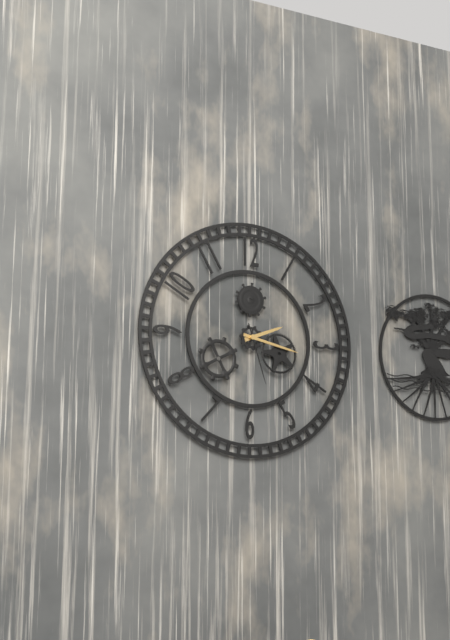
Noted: **2:17:27**
